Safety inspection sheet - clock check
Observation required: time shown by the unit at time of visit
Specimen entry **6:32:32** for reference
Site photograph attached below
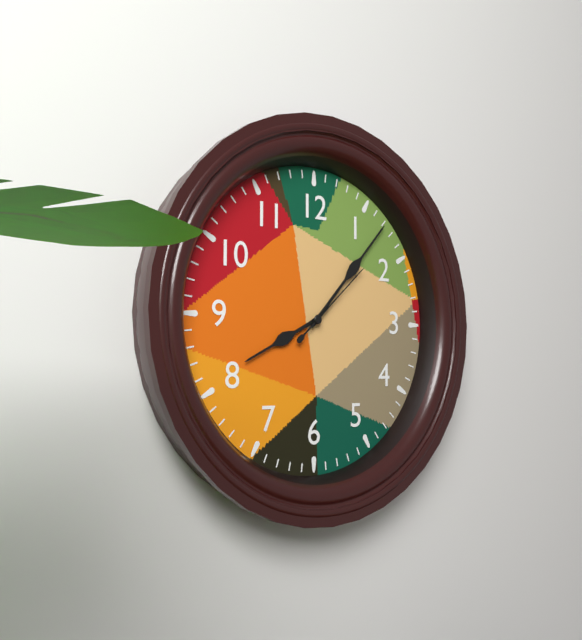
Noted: **8:07:08**
